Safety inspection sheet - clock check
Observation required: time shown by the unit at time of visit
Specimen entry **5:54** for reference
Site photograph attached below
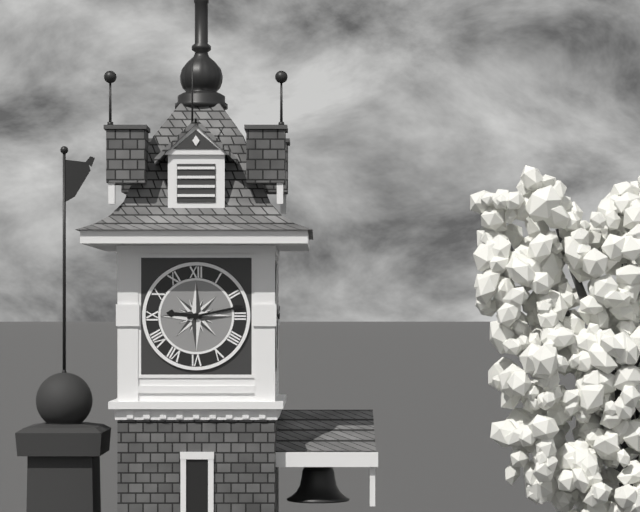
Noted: **9:13**
